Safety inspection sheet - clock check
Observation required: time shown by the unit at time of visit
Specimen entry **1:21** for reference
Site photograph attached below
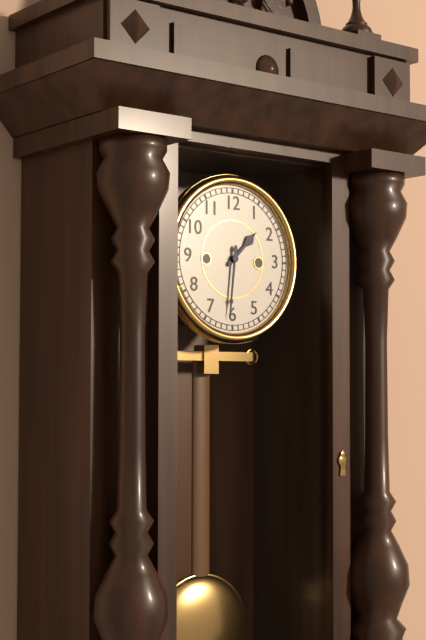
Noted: **1:31**
